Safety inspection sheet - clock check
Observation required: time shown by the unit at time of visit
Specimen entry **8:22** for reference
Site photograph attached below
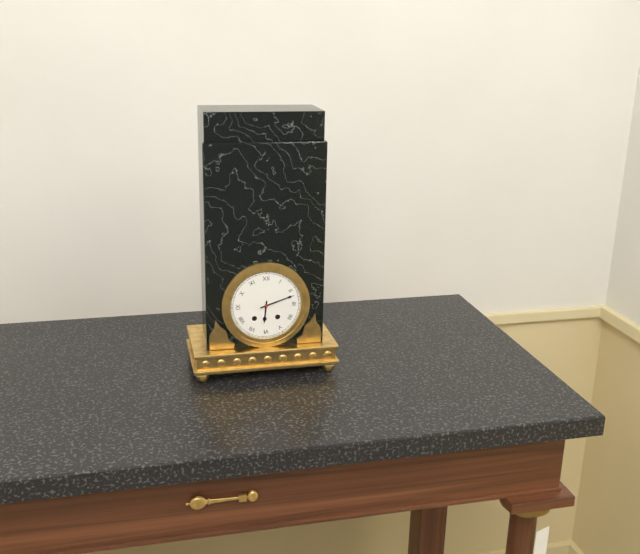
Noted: **6:12**
